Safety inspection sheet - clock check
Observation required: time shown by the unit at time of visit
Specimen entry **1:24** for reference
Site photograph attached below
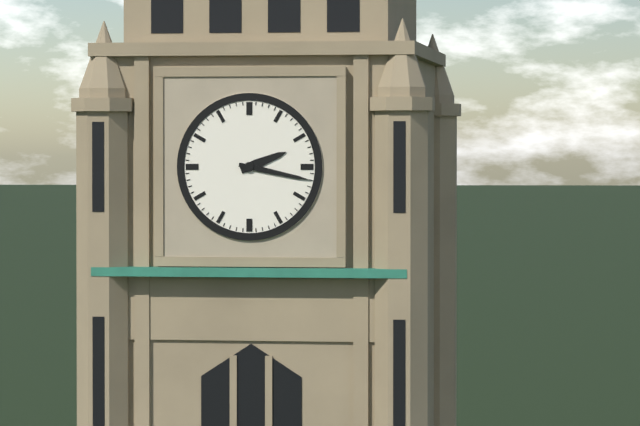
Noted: **2:17**
